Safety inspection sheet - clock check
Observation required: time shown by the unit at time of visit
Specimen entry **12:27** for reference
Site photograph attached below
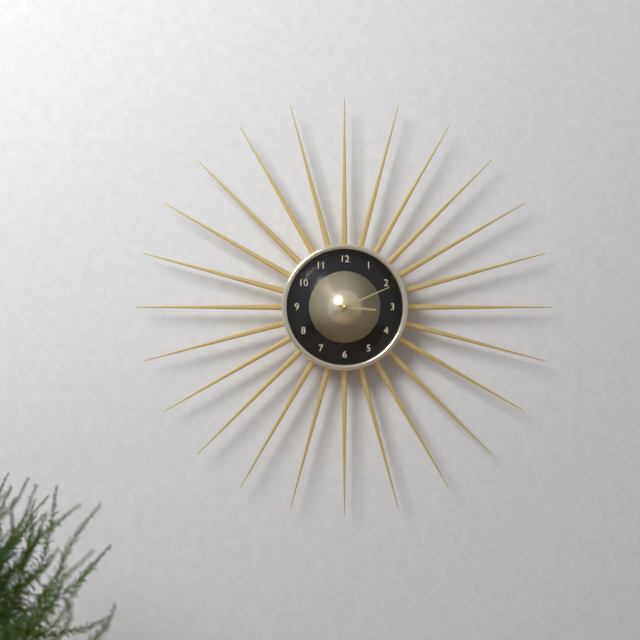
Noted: **3:11**
